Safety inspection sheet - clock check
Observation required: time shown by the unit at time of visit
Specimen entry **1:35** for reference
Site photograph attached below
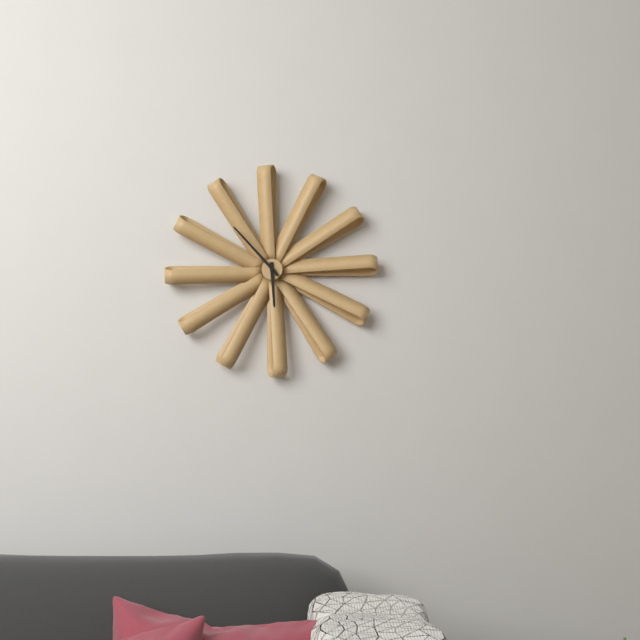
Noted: **5:53**
